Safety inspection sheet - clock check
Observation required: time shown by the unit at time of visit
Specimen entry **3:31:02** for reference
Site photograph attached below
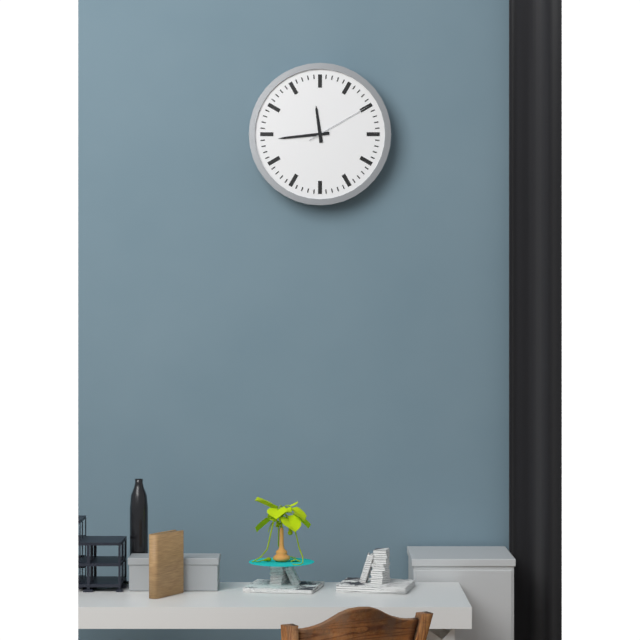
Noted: **11:44:10**
